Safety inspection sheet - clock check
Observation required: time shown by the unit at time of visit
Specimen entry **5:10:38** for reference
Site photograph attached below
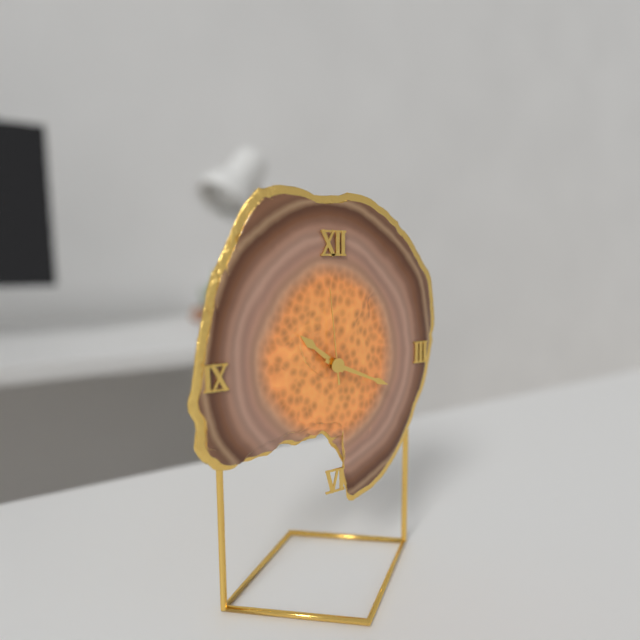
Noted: **10:19:59**
